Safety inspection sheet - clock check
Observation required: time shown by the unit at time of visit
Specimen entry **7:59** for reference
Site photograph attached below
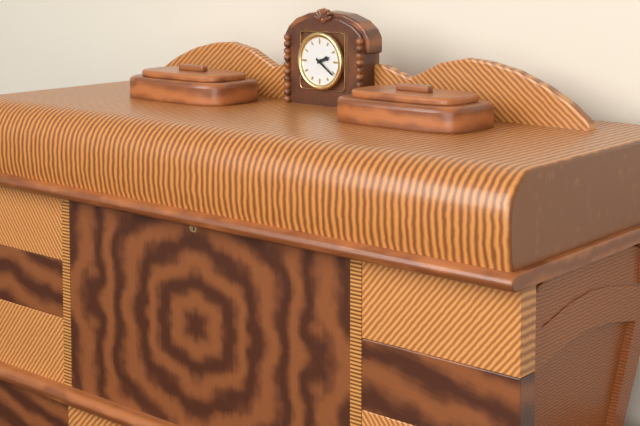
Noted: **2:21**
